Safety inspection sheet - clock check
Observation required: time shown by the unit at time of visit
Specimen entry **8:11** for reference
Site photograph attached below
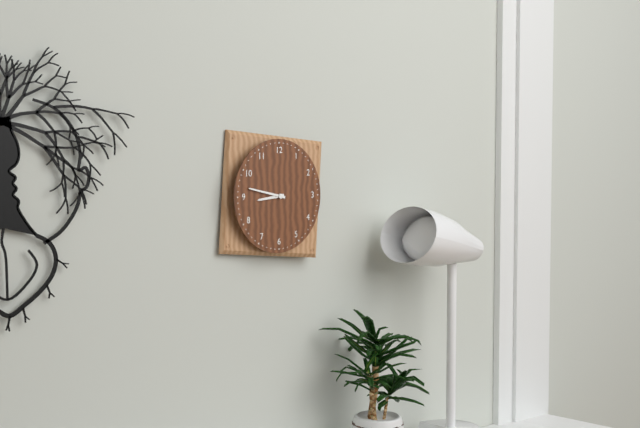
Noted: **8:47**
